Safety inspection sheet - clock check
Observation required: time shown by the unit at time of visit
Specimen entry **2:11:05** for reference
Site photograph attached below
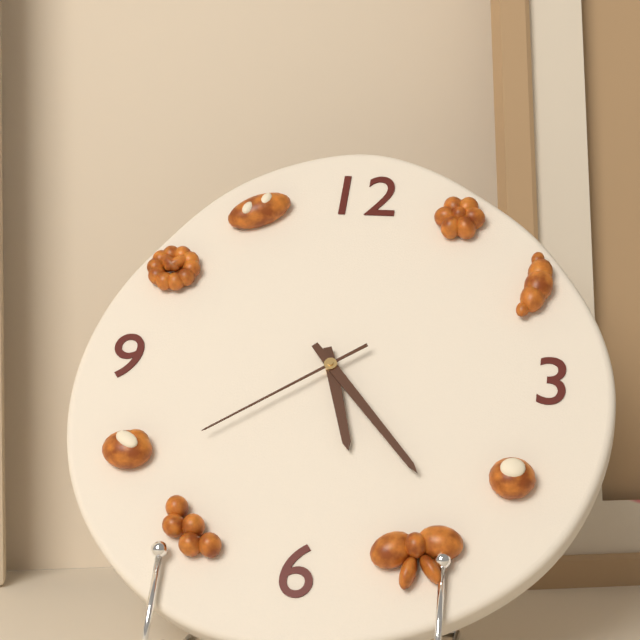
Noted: **5:23:39**
